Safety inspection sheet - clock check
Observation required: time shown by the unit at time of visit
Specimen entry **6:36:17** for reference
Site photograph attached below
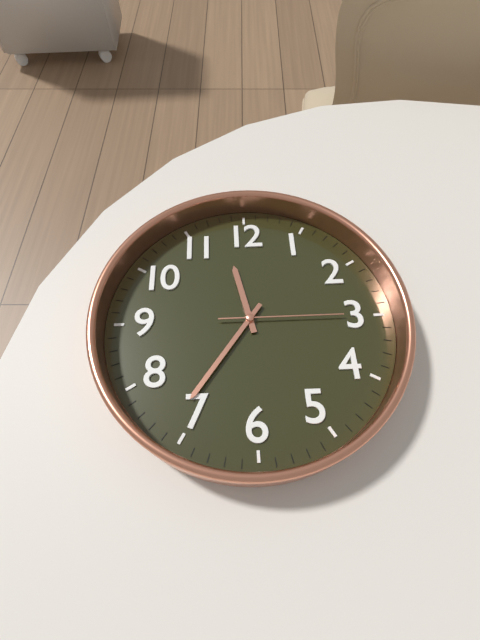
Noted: **11:36:15**
